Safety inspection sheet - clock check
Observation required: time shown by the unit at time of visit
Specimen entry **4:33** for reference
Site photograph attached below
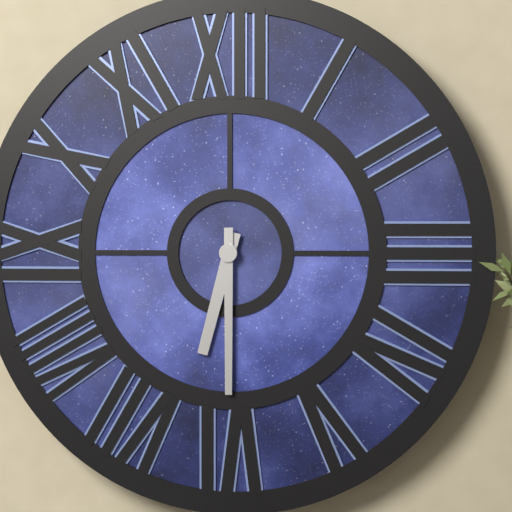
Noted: **6:30**
